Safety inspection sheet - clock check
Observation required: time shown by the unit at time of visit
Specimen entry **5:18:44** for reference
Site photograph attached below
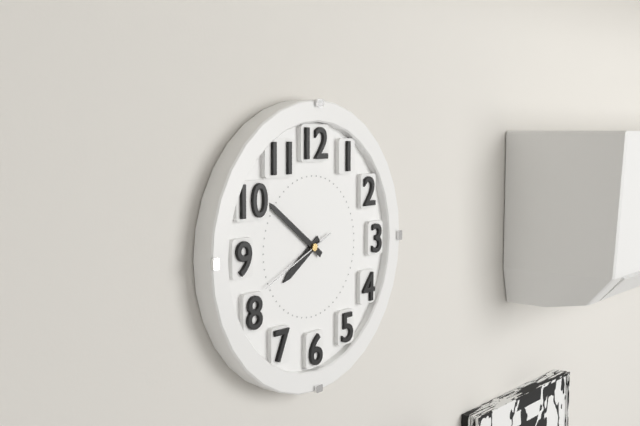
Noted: **7:51:41**
